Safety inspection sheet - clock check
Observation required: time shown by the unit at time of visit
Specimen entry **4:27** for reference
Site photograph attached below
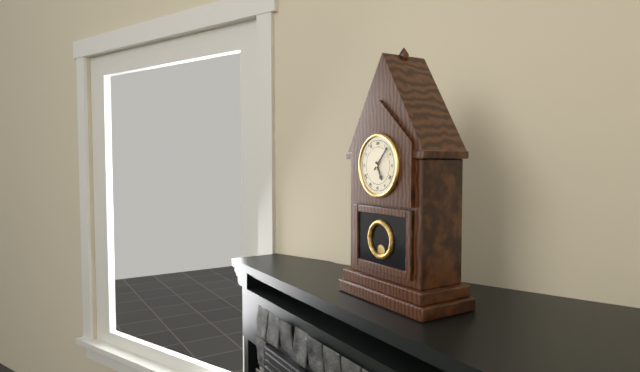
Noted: **5:07**
